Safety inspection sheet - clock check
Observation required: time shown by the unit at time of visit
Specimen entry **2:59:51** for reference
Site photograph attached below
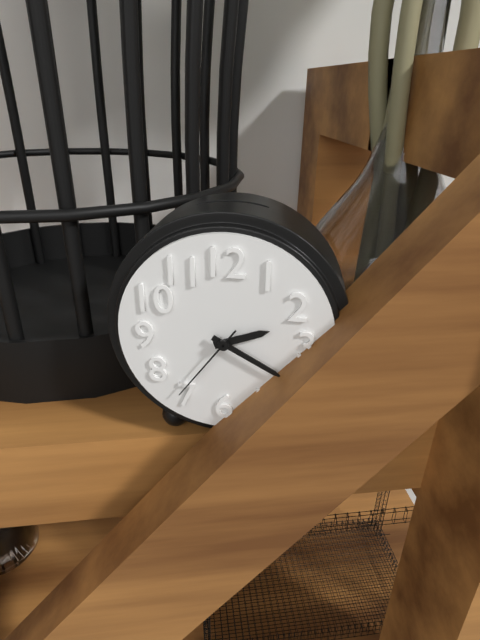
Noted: **2:20:36**
